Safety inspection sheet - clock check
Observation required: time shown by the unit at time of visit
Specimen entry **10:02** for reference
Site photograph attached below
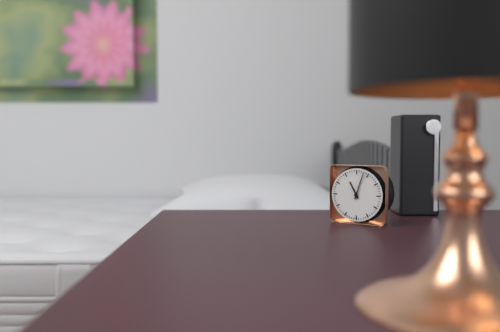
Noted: **11:03**
